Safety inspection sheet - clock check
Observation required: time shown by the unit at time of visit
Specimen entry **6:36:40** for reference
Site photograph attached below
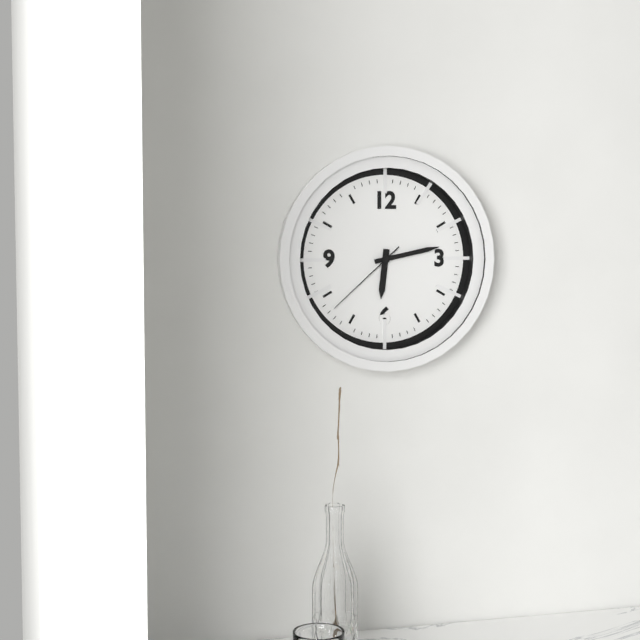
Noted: **6:13:38**
